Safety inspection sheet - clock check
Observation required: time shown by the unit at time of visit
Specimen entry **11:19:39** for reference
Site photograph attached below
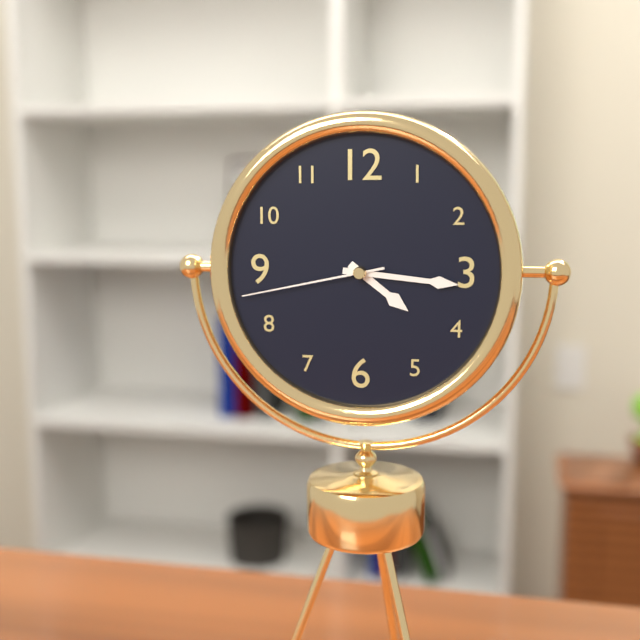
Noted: **4:16:43**
